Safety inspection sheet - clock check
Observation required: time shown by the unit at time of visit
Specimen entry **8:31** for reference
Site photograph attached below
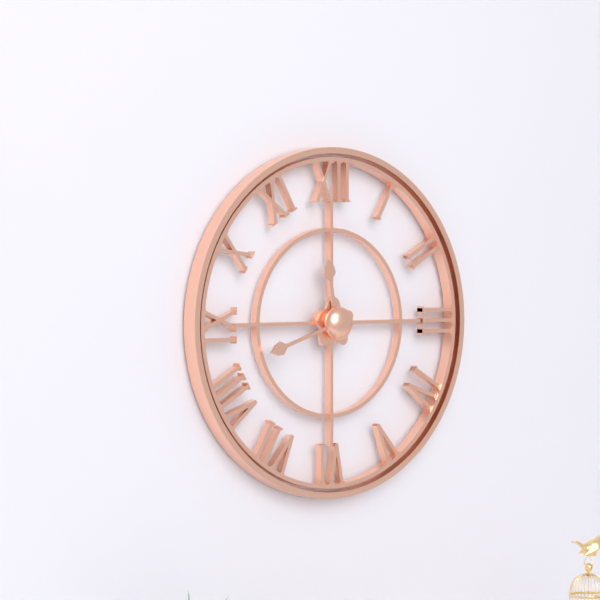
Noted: **11:42**
